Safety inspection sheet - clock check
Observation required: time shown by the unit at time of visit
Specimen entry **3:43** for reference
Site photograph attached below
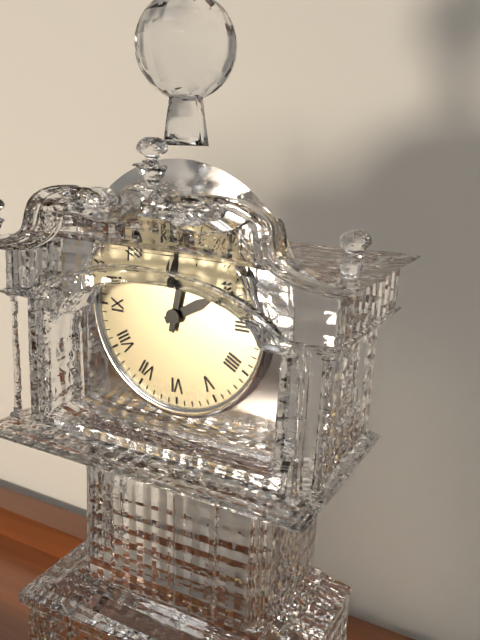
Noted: **2:02**
